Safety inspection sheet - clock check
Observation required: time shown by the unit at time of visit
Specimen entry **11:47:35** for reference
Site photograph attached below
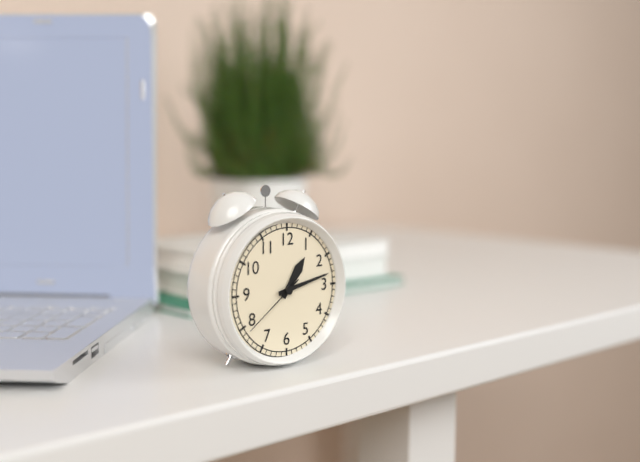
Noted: **1:13:39**
